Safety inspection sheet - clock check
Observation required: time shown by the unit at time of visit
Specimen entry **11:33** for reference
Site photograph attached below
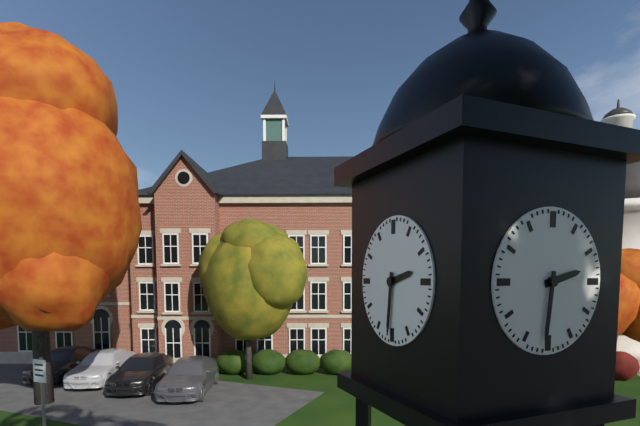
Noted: **2:31**
